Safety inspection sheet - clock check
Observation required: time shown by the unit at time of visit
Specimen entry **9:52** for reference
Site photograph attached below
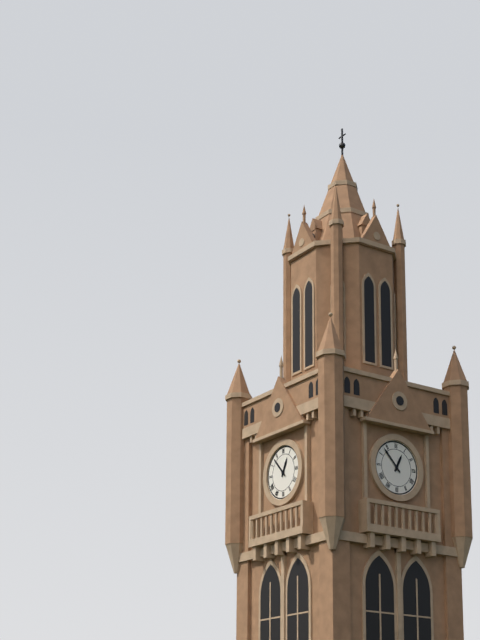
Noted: **12:53**
